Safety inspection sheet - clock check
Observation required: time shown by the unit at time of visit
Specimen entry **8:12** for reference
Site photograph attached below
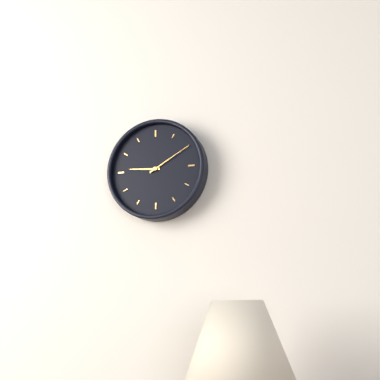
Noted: **9:10**
